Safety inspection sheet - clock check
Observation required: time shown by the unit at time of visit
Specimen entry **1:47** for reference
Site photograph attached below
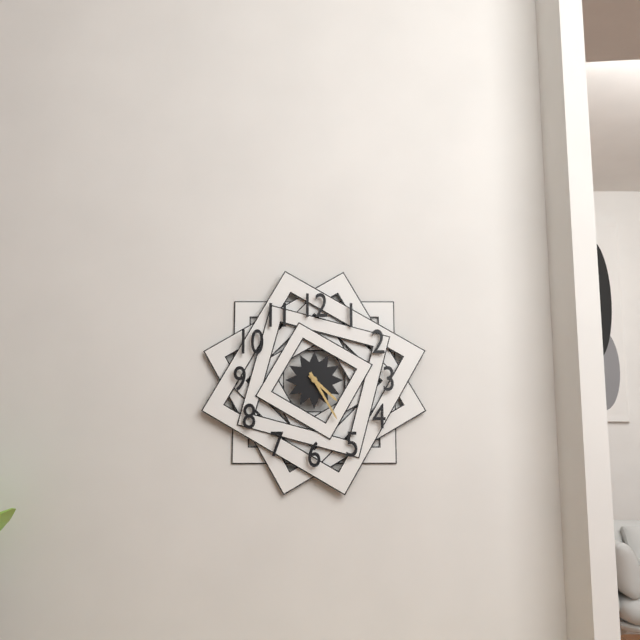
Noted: **4:25**
